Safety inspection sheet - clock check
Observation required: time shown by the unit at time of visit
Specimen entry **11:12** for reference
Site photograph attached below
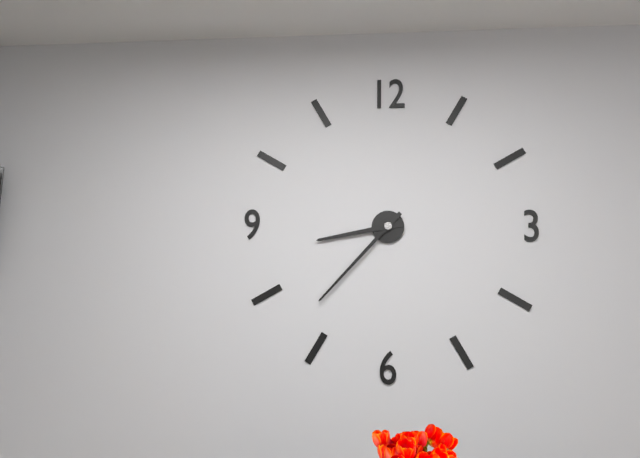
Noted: **8:37**
